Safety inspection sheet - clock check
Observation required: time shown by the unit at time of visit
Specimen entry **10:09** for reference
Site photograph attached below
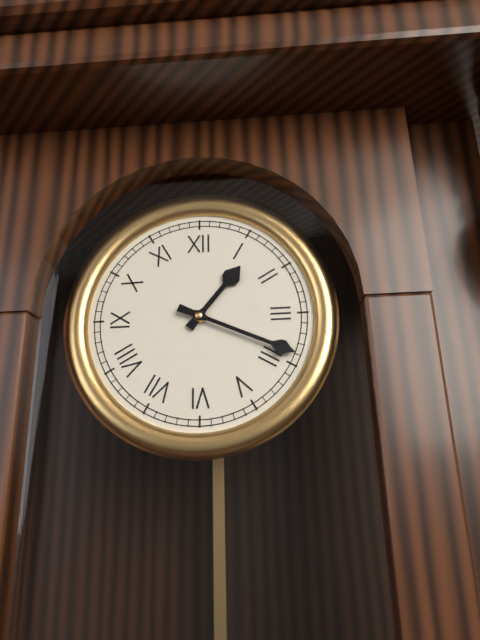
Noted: **1:19**
